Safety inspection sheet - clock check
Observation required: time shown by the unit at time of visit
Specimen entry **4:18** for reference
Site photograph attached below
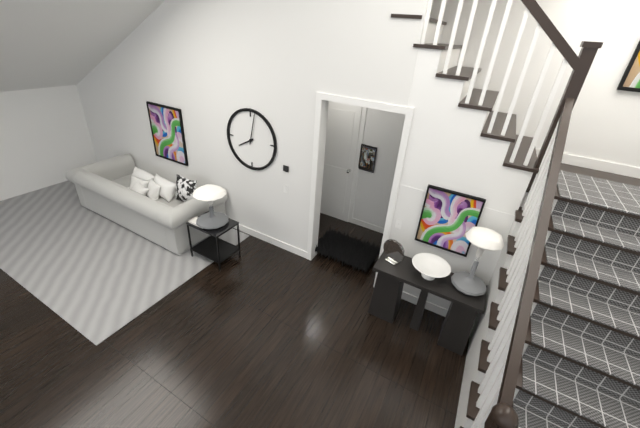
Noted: **8:02**
